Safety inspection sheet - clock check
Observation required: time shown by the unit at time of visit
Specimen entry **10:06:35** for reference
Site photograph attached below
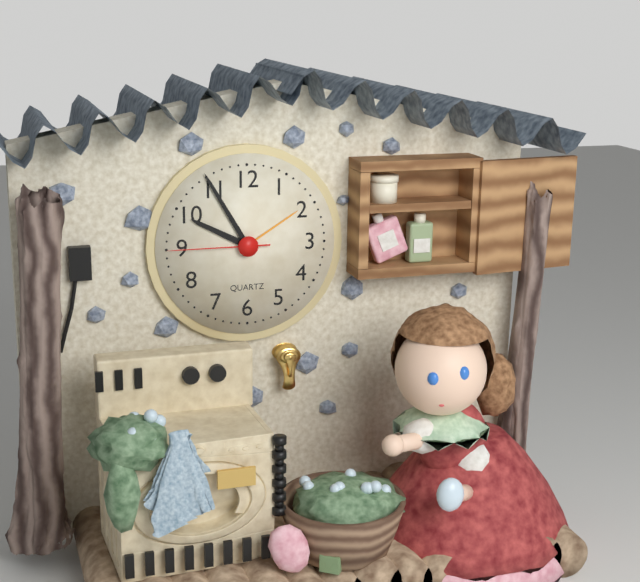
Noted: **9:55:45**
